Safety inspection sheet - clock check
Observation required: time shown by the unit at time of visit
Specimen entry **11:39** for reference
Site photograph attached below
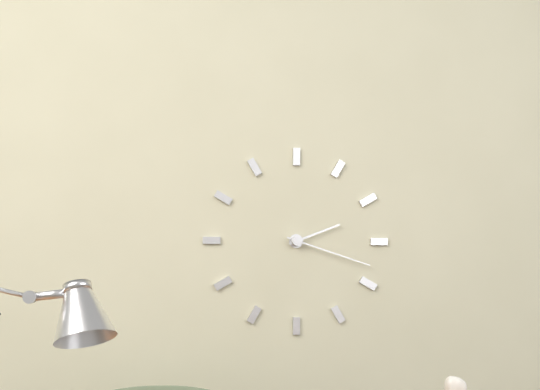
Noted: **2:18**
